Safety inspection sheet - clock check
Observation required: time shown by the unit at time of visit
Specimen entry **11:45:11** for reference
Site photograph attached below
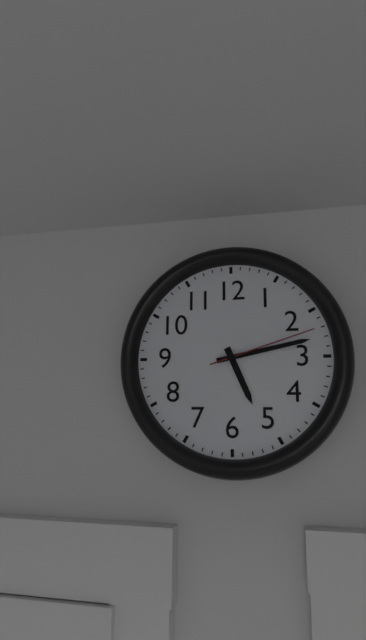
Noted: **5:13:12**
